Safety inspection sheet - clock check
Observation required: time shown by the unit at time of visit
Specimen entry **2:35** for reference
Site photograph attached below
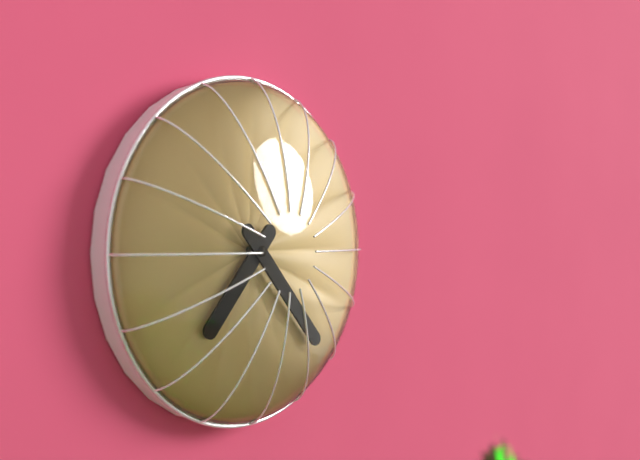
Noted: **7:23**
